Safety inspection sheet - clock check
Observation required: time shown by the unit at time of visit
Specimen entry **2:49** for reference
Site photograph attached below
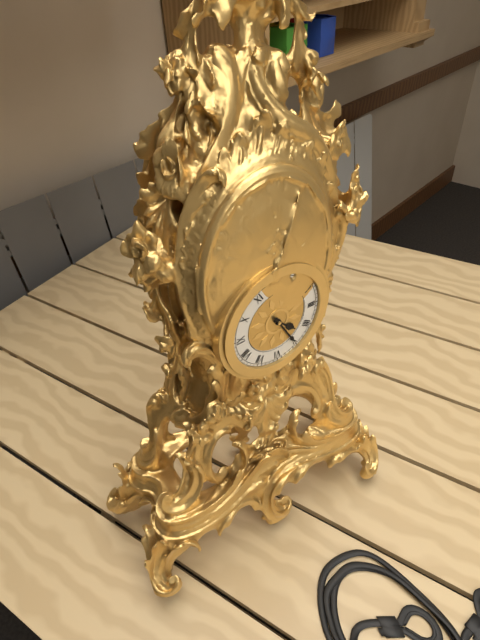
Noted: **4:25**
